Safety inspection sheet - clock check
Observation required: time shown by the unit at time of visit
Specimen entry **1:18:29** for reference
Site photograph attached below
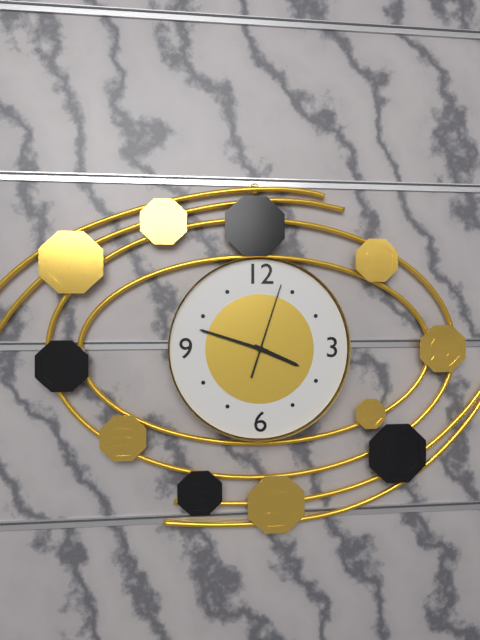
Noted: **3:48:03**
